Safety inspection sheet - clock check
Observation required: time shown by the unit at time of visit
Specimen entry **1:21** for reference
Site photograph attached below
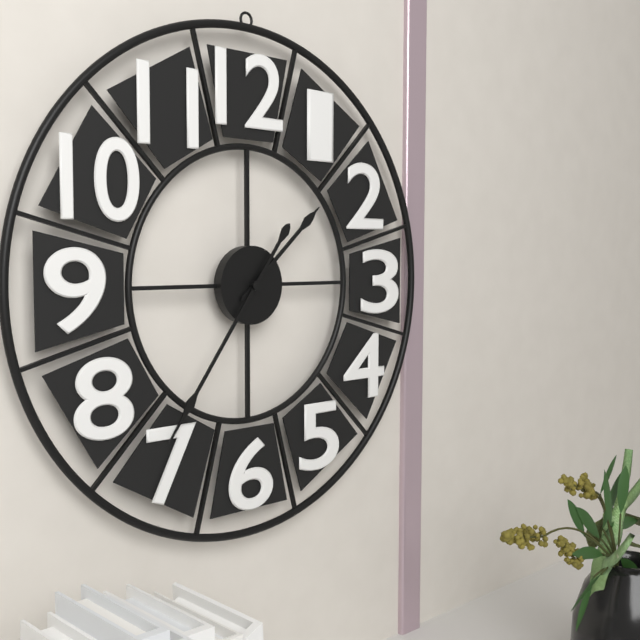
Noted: **1:36**
